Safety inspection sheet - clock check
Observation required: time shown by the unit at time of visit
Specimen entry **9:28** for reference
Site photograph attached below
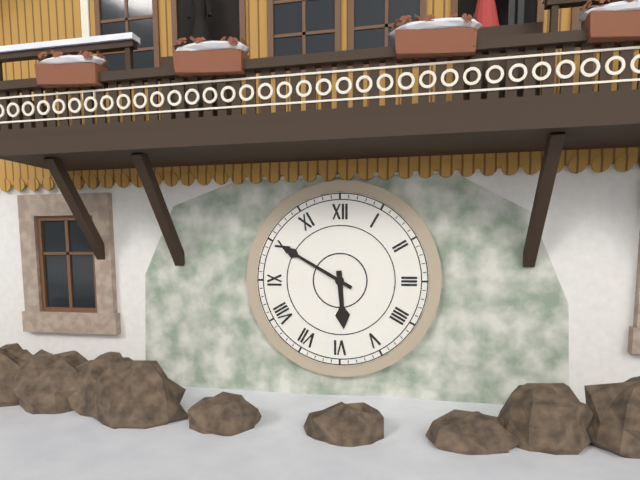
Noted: **5:50**
